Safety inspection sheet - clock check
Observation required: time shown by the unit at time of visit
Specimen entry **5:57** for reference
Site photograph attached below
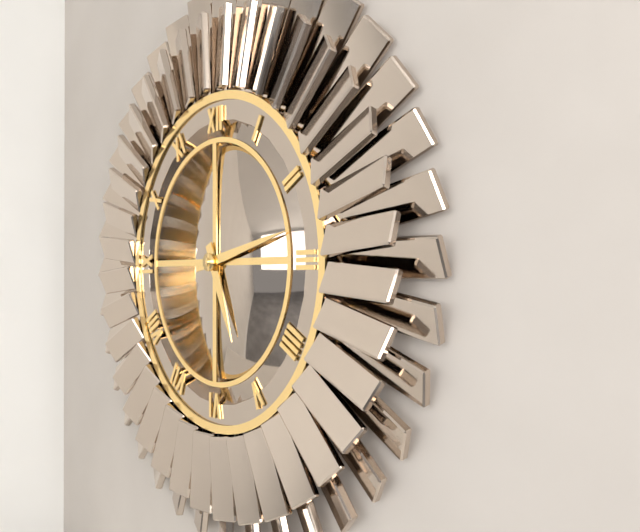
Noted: **5:13**
